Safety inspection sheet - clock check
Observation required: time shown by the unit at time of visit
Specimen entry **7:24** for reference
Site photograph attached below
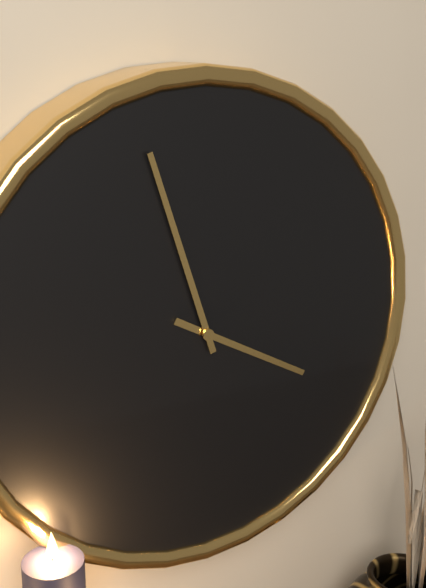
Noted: **3:57**
